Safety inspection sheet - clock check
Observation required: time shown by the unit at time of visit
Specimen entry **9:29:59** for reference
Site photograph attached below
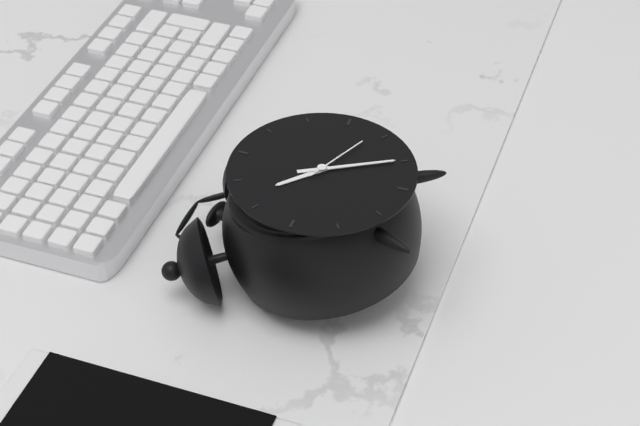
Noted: **10:25:19**
